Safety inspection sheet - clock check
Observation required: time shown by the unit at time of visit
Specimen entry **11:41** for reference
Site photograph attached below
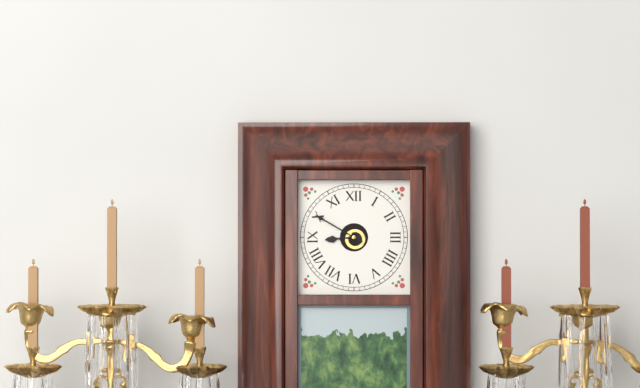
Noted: **8:50**
